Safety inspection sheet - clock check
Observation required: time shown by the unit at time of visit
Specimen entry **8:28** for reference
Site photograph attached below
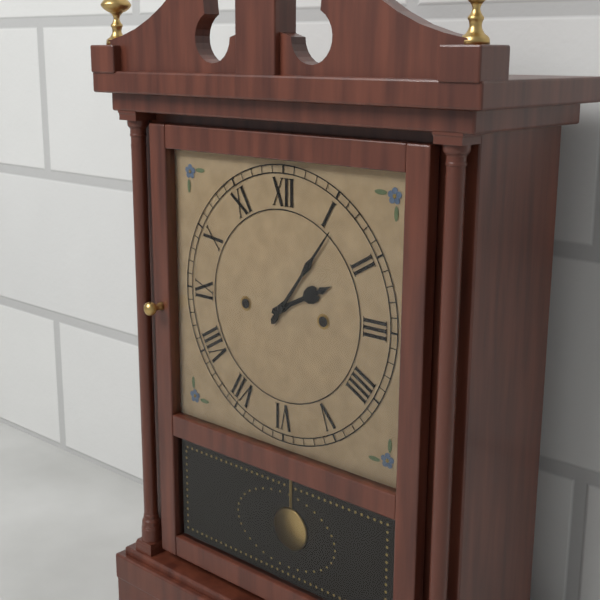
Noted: **2:06**
